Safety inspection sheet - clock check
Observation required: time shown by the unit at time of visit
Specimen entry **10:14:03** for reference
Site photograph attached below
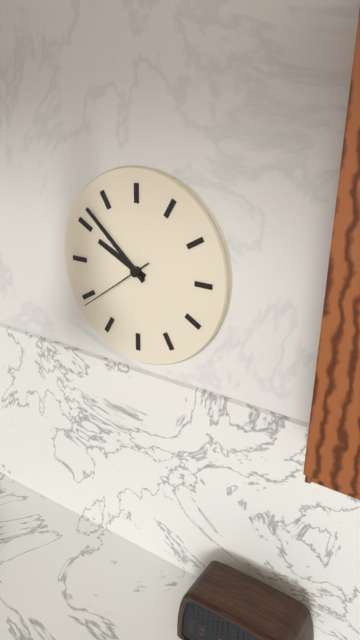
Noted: **9:52:39**
